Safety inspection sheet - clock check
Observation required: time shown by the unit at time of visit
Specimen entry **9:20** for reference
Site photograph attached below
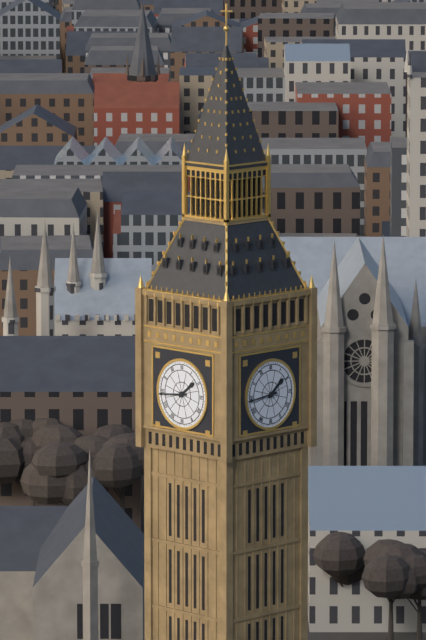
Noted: **1:44**
